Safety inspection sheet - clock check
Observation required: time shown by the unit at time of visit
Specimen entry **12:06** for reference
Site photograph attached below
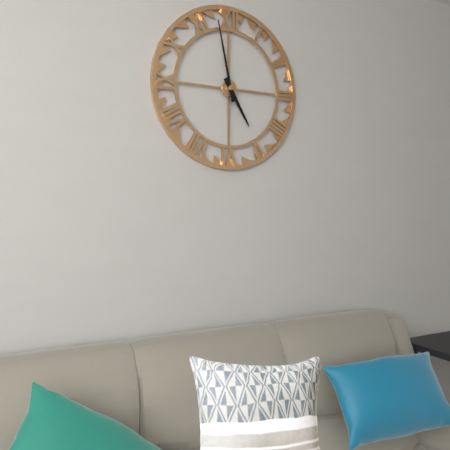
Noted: **4:58**
